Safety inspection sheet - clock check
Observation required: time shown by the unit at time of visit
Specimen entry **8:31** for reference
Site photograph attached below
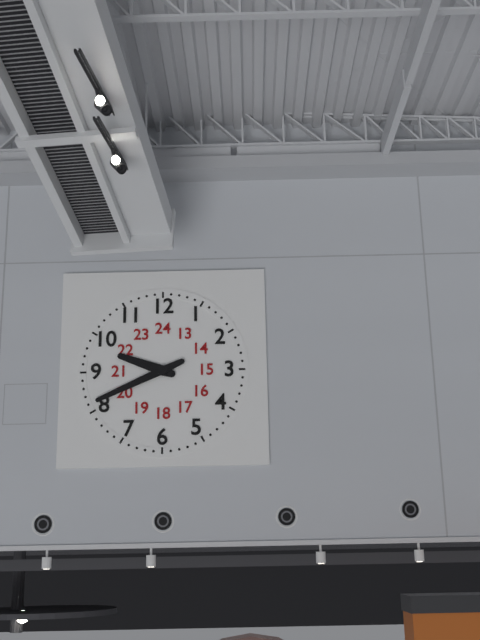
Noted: **9:41**
